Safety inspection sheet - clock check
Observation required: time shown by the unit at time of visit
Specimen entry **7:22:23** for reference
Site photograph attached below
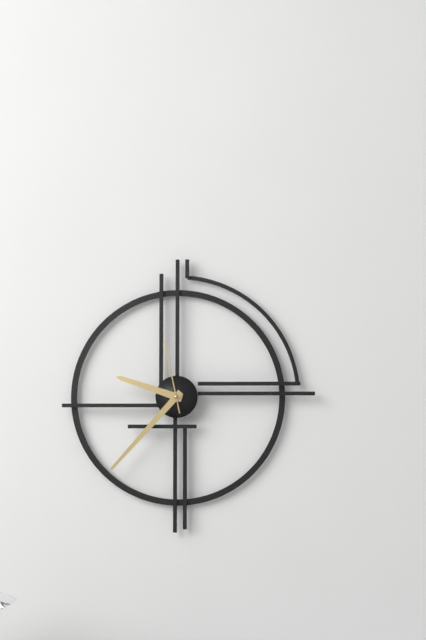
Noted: **9:37:58**
